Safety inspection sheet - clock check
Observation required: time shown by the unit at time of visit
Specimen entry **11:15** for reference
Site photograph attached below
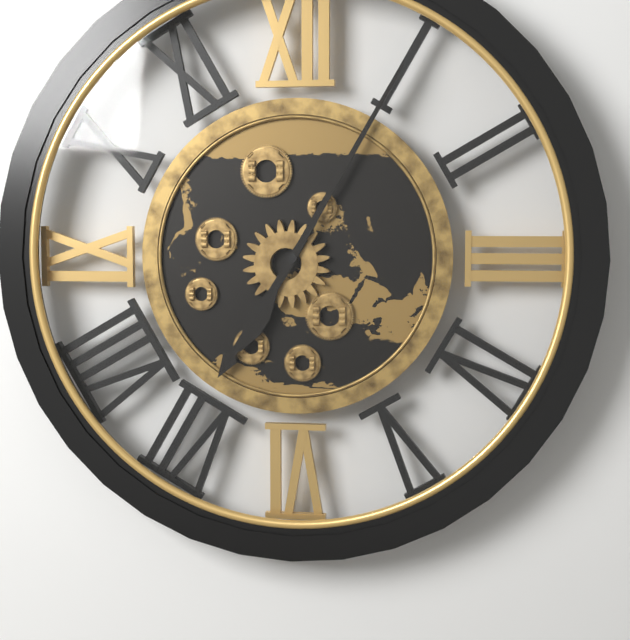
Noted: **7:05**
